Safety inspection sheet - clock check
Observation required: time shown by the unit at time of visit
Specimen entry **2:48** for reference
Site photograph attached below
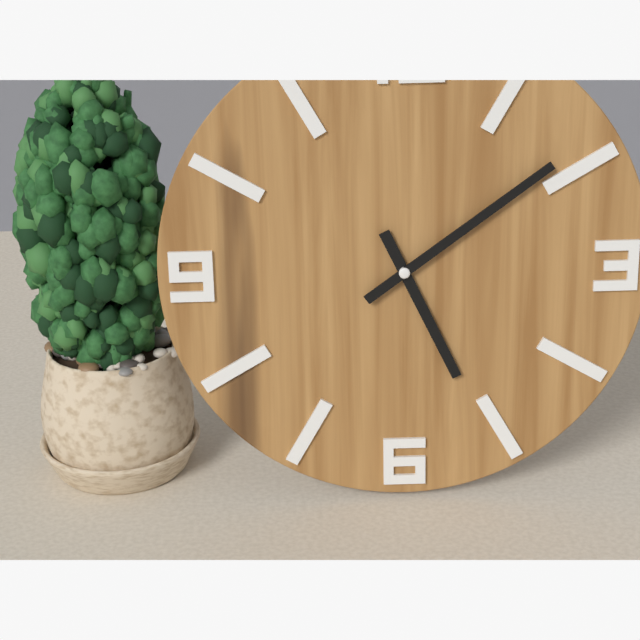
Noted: **5:09**
